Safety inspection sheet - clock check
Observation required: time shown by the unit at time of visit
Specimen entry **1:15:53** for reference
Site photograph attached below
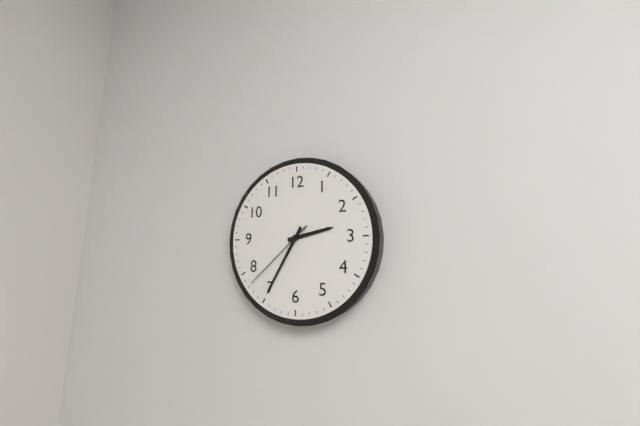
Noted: **2:35:38**
